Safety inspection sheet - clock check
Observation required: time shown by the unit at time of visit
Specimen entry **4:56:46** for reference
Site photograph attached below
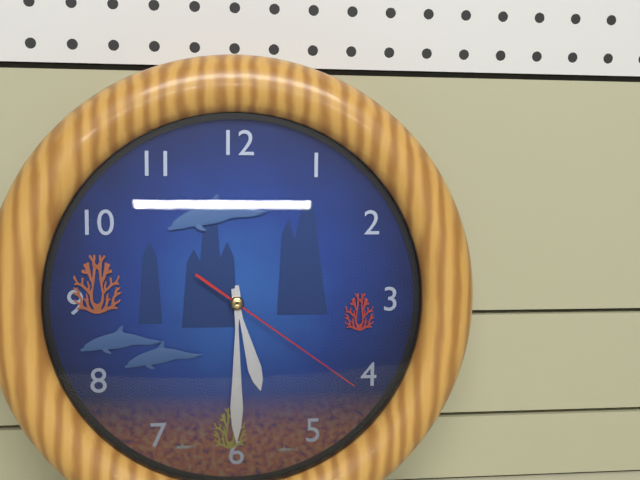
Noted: **5:30:21**
